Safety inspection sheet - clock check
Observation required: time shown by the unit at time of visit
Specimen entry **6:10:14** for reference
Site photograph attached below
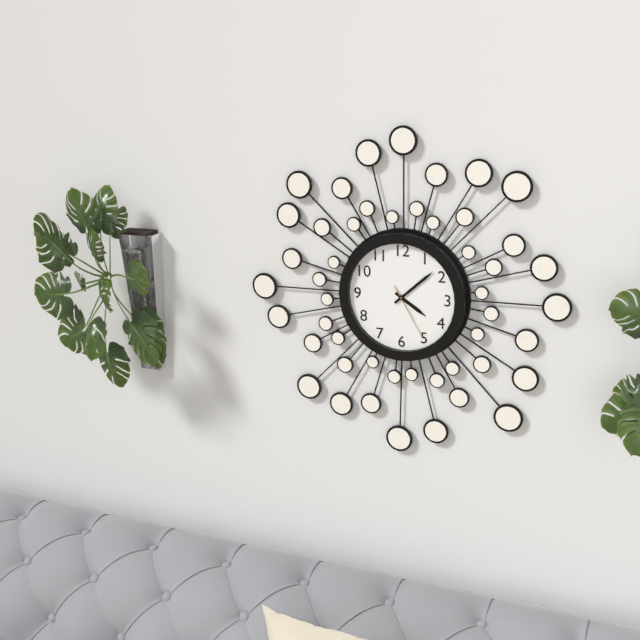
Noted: **4:08:25**
